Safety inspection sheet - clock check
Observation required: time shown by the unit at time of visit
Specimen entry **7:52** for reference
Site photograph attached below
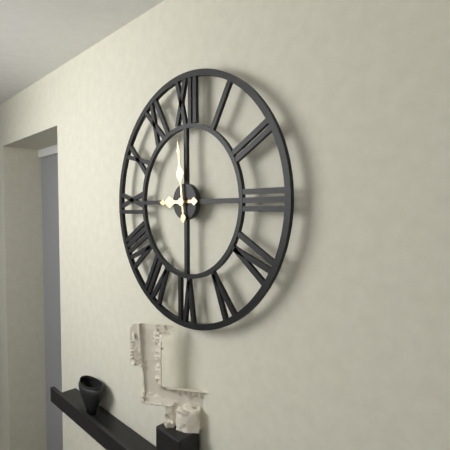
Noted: **8:59**
